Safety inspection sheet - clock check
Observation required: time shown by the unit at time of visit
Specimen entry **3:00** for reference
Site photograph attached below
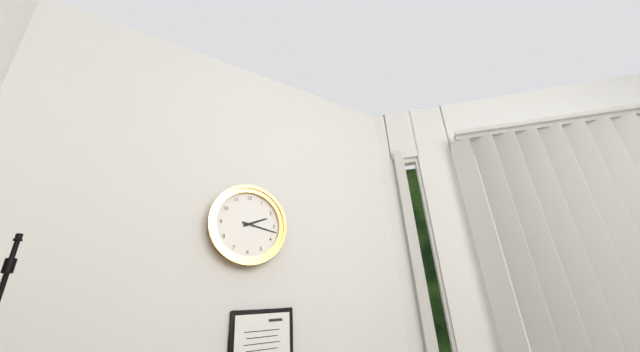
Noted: **2:17**
